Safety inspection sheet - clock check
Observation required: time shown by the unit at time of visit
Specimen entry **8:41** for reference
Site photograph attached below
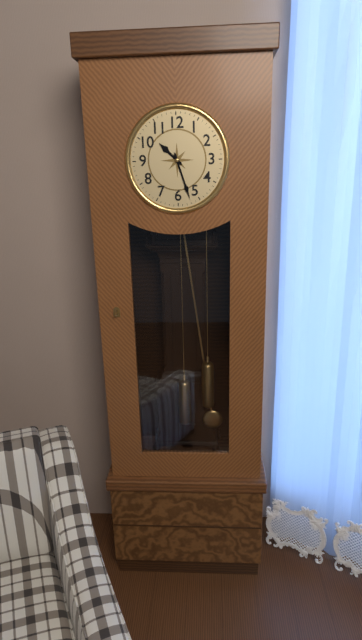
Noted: **10:27**
